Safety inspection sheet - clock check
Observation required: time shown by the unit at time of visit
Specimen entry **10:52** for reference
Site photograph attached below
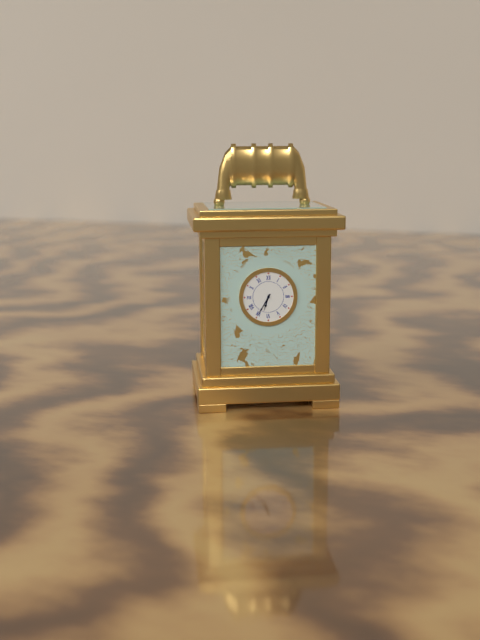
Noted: **6:35**
